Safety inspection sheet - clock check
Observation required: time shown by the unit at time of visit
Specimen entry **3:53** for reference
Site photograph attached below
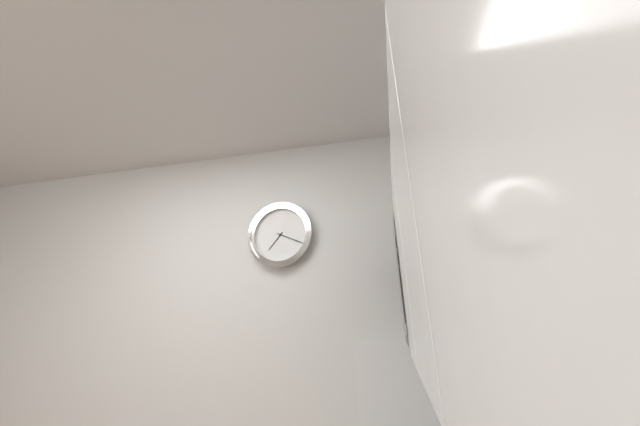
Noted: **7:19**
